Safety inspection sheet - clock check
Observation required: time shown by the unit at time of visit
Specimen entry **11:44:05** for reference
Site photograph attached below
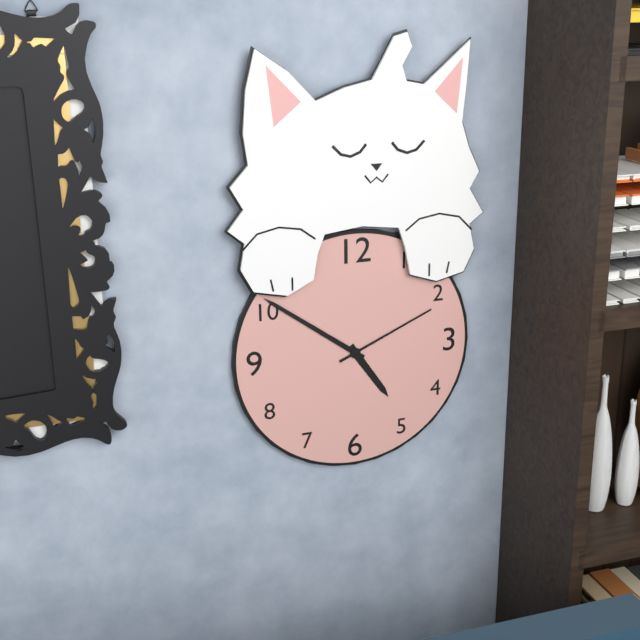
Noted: **4:51:11**
